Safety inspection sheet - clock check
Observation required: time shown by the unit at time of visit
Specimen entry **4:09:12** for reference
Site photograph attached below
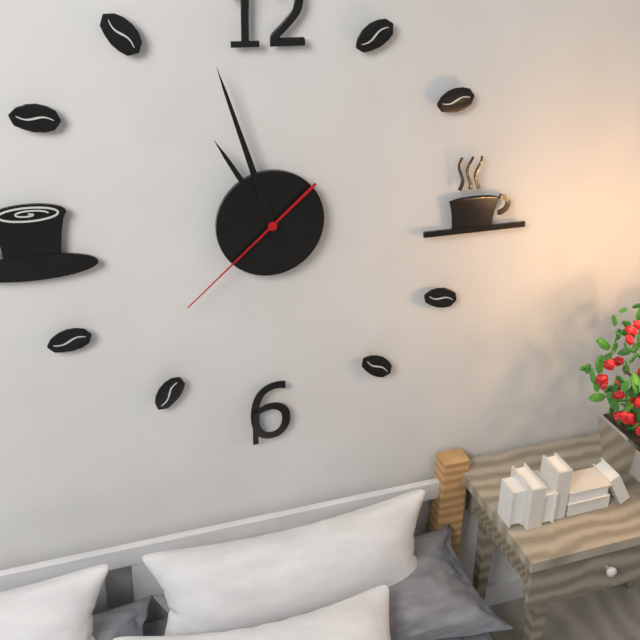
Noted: **10:57:38**
